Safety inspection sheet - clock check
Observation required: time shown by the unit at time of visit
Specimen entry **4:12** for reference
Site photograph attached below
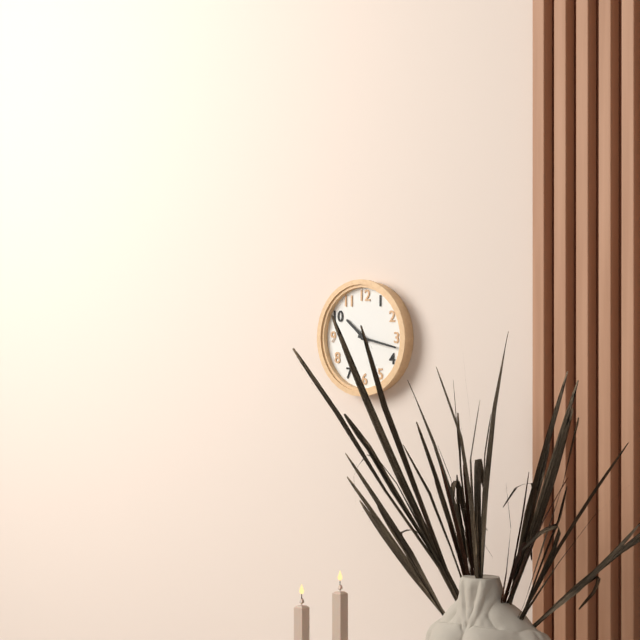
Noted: **10:17**
